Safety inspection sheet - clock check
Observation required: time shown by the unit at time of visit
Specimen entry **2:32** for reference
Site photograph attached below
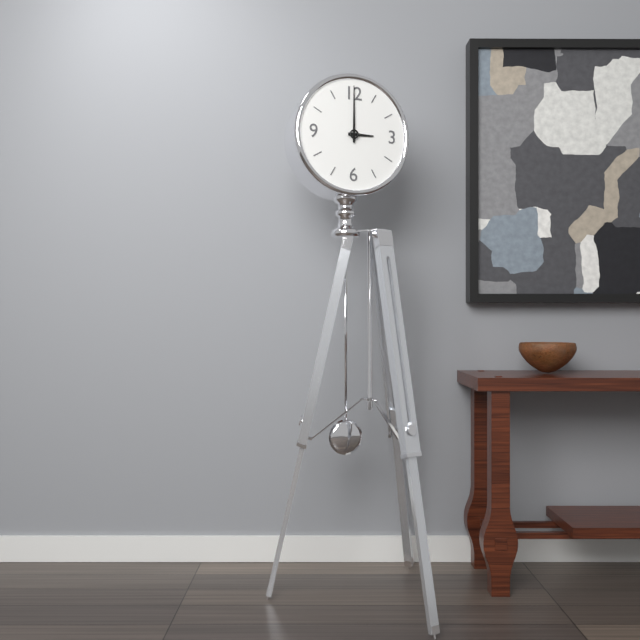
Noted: **3:00**
